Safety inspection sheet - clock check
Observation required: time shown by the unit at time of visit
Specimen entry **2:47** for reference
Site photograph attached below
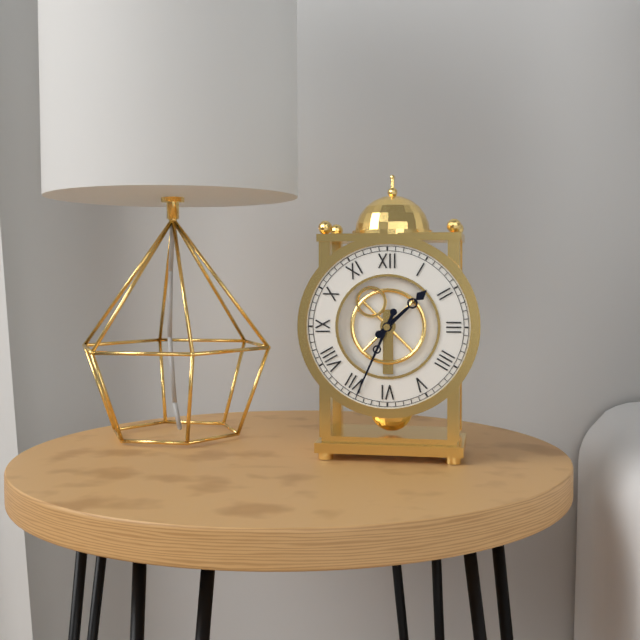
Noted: **1:34**
